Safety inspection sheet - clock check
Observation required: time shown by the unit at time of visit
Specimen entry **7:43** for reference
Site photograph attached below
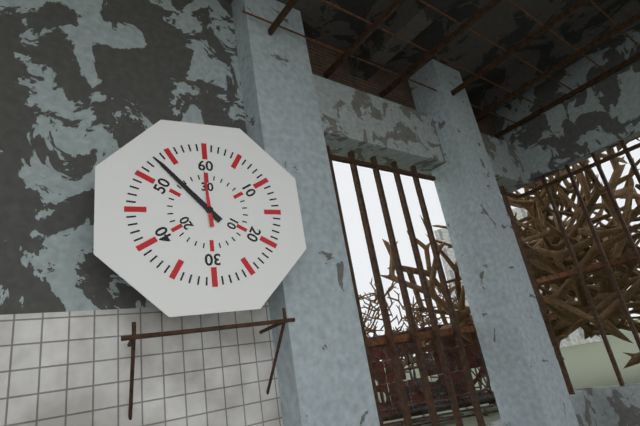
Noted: **11:53**
